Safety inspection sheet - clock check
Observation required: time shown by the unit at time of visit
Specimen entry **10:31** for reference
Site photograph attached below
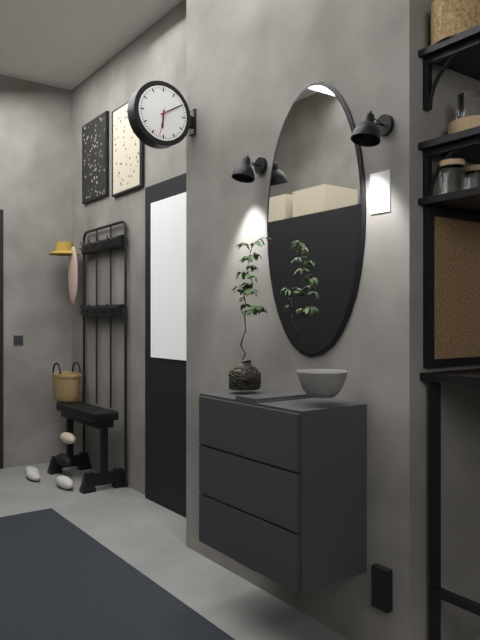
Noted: **6:10**
